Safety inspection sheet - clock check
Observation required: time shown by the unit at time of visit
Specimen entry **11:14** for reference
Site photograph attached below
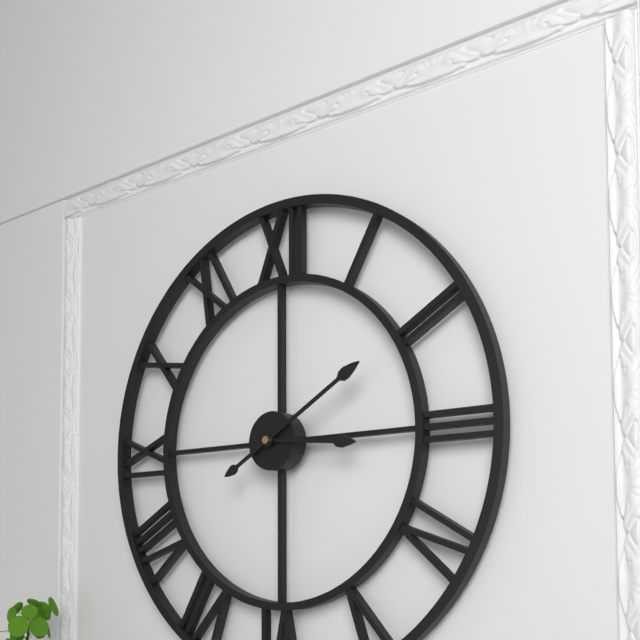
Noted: **3:10**
